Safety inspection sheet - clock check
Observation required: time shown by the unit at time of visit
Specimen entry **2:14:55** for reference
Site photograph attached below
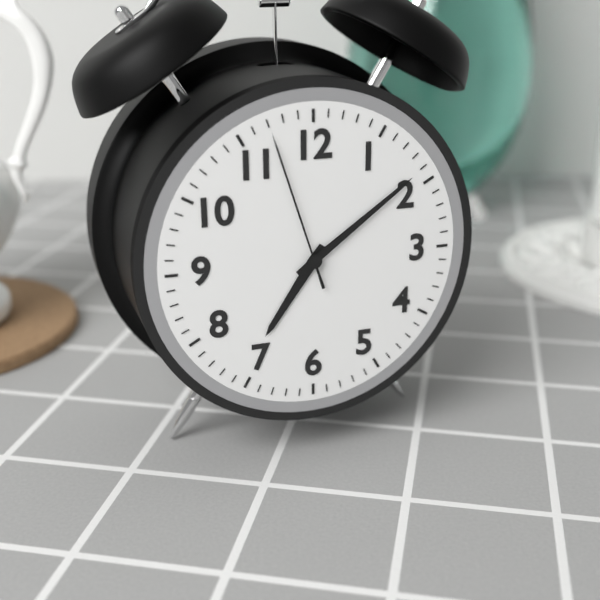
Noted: **7:09:57**
